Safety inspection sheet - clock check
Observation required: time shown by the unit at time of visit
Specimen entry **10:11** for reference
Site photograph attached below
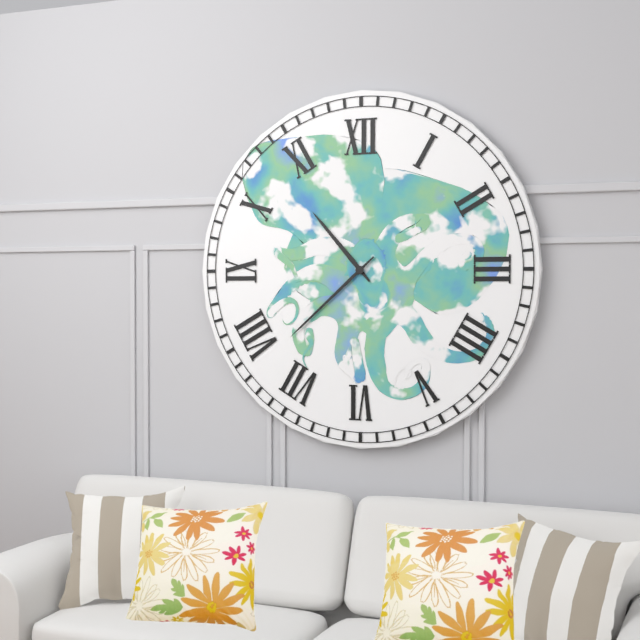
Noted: **10:38**
